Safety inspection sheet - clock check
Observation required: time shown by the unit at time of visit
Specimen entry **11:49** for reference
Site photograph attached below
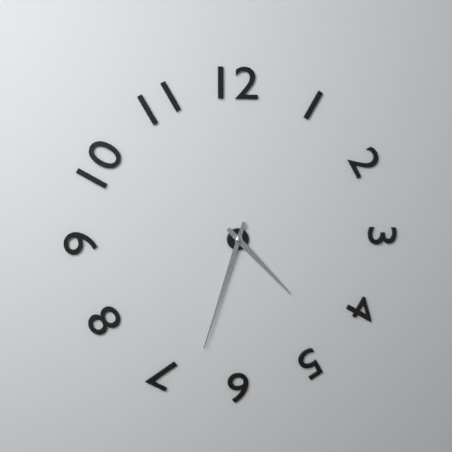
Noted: **4:33**
